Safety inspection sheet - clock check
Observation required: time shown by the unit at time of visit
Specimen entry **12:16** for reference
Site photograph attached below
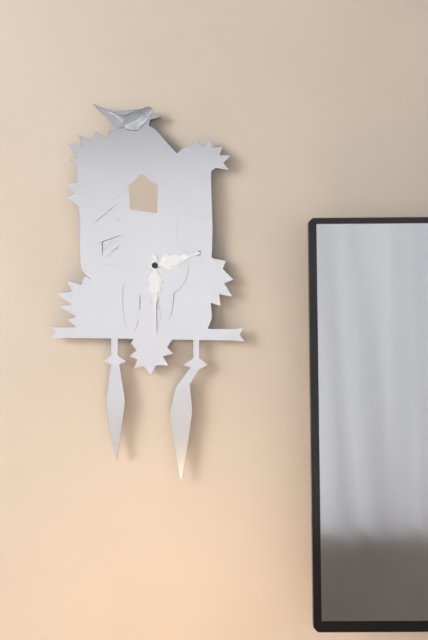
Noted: **2:30**
